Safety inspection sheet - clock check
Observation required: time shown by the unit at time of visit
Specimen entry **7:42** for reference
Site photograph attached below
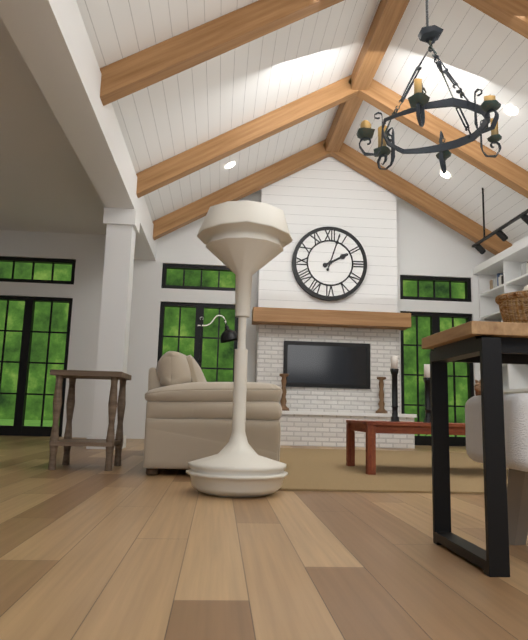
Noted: **2:03**
